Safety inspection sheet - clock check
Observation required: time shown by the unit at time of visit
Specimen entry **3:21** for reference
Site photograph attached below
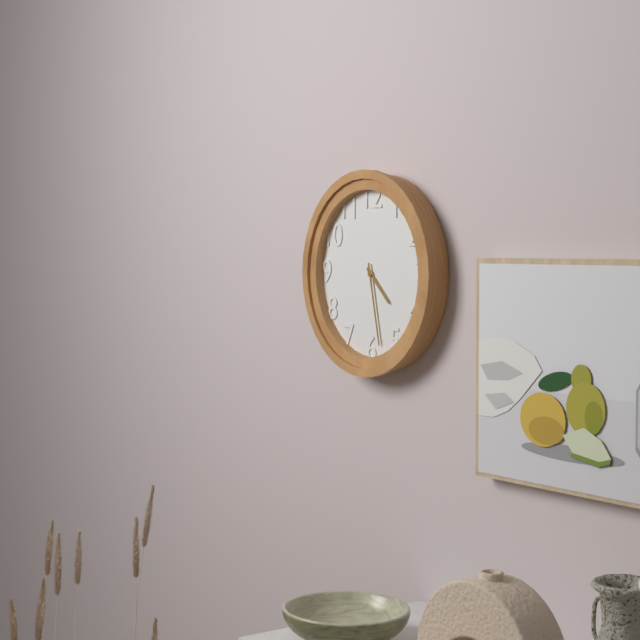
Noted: **4:28**
